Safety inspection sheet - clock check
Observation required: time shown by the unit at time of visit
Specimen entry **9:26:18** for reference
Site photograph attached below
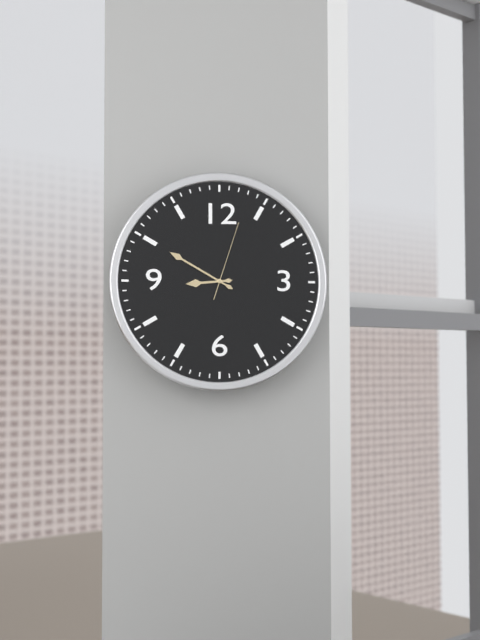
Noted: **8:50:03**
